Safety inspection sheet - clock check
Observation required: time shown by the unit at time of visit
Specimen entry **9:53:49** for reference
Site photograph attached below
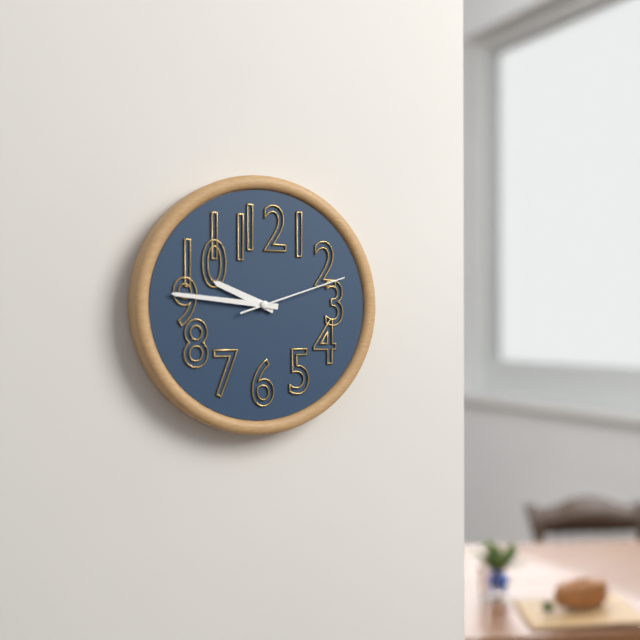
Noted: **9:46:12**
